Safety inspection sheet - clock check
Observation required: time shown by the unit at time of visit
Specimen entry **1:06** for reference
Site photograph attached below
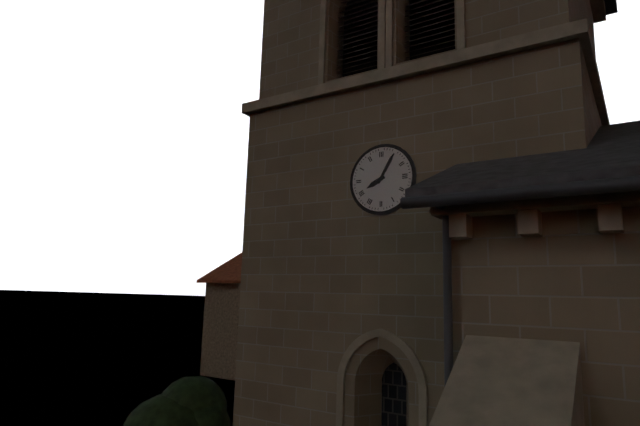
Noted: **8:05**
